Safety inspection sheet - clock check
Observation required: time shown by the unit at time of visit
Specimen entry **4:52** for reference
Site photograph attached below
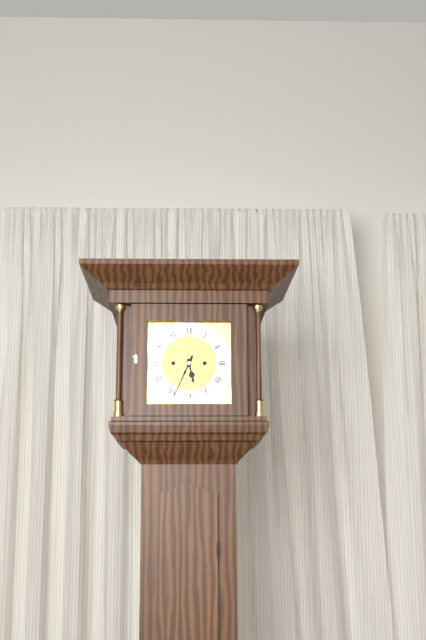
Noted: **5:34**
